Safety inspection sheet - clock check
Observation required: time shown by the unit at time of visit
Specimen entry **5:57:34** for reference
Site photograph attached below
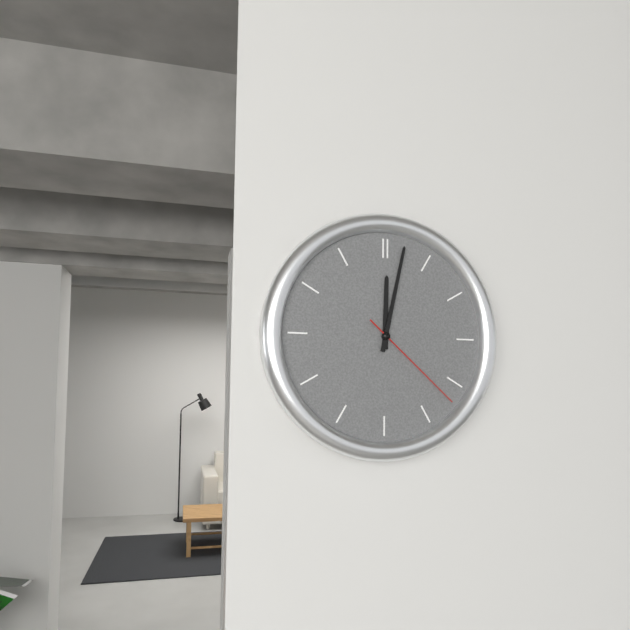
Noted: **12:02:22**
